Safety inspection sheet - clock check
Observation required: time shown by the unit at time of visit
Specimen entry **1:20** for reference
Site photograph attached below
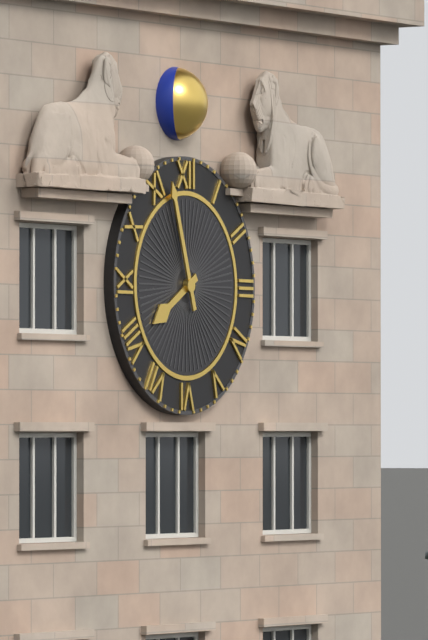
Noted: **7:57**
